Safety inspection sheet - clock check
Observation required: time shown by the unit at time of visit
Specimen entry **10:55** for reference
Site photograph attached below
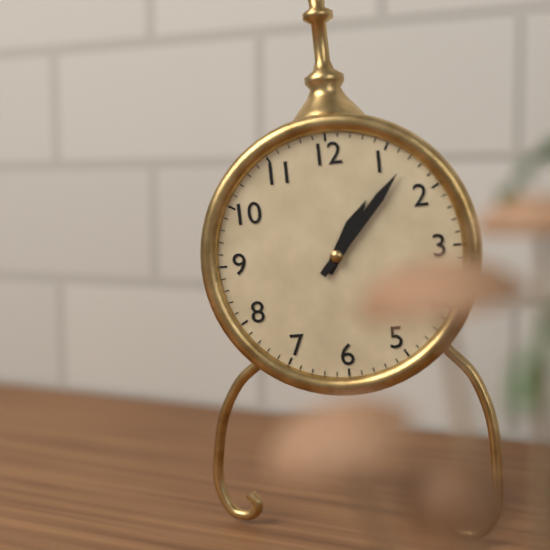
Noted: **1:07**
